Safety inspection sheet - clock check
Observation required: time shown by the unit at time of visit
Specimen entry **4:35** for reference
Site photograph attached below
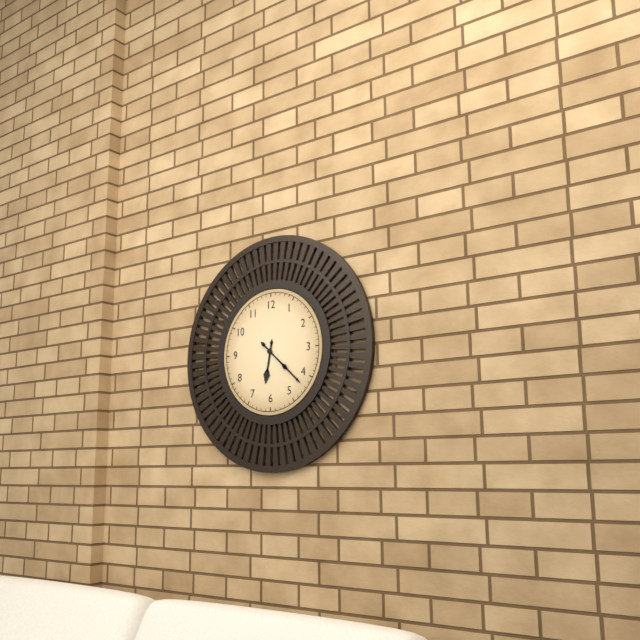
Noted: **6:22**
